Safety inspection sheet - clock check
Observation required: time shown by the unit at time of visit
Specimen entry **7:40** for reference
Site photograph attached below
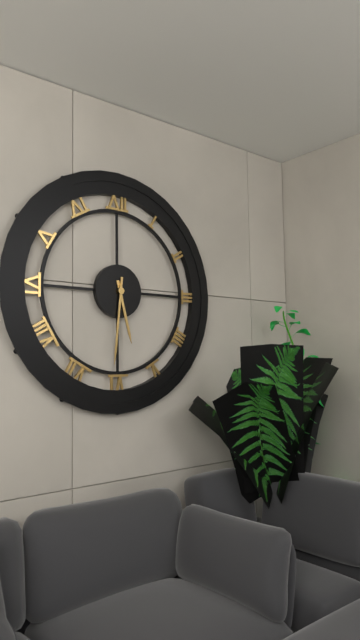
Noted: **5:31**
